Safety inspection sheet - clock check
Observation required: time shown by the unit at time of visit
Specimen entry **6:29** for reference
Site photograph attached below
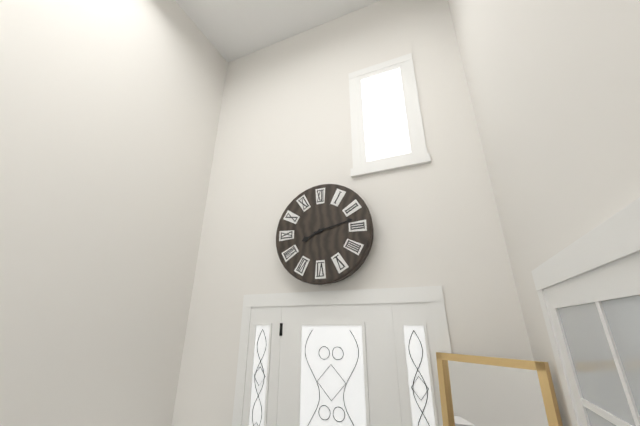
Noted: **8:13**
